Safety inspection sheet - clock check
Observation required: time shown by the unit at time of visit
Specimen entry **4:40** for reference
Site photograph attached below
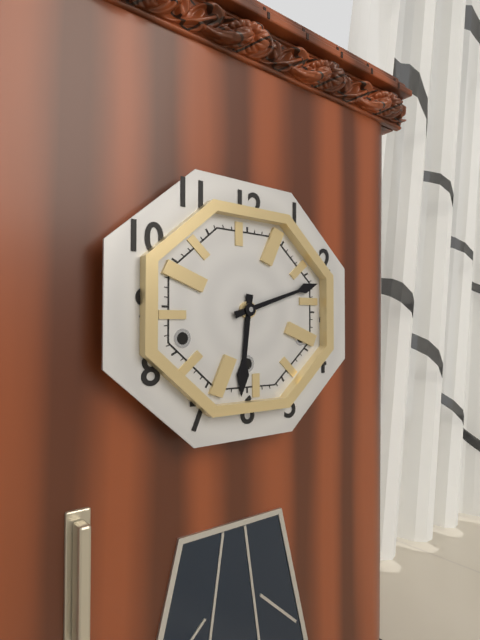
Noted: **6:12**
